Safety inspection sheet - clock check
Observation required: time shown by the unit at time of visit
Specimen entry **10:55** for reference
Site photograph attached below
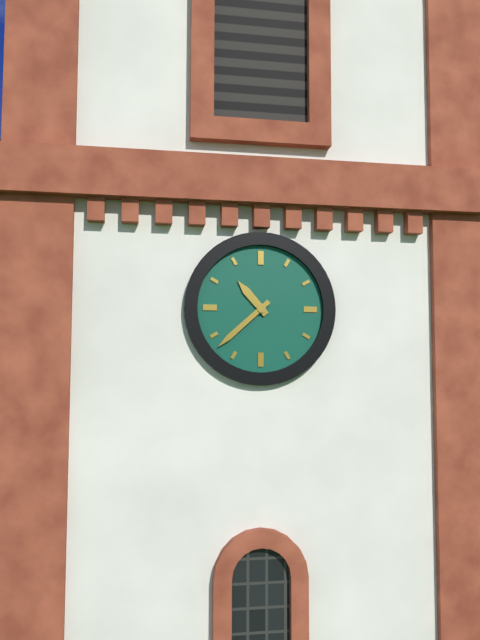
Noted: **10:38**
